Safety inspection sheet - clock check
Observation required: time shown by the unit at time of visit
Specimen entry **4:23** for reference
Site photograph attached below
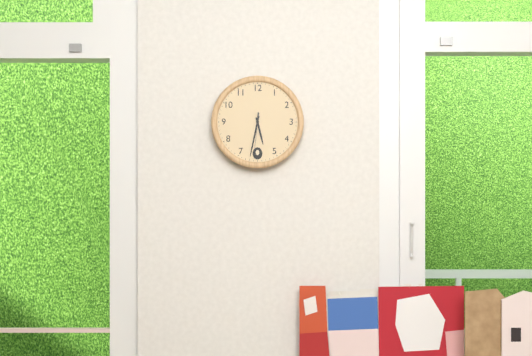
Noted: **5:32**
